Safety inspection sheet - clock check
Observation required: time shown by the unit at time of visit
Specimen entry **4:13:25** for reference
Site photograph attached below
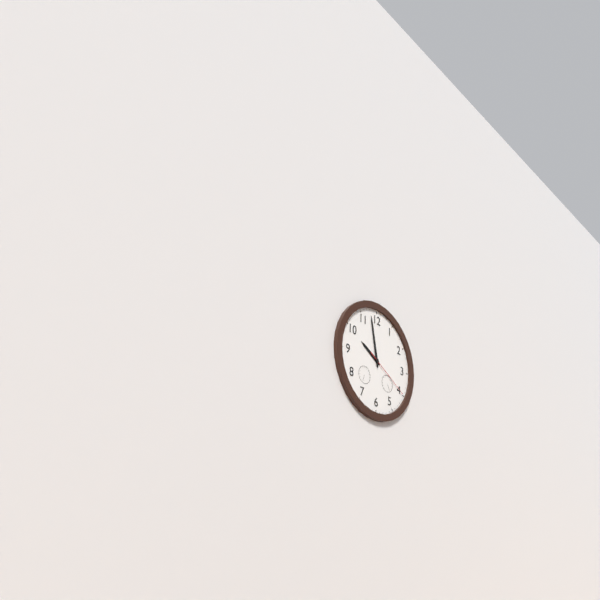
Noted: **9:58:20**
